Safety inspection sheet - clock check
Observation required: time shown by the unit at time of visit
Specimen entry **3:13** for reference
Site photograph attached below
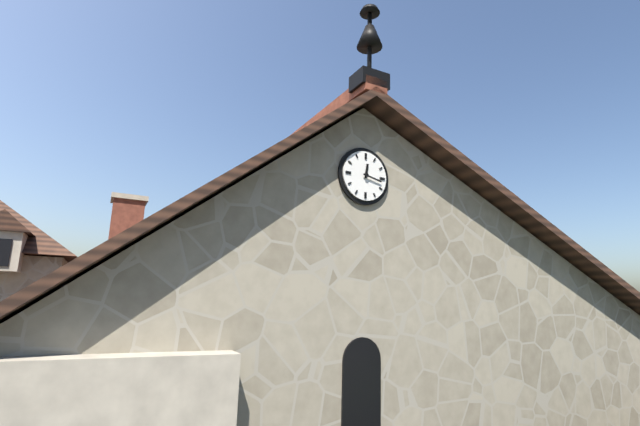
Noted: **12:17**
